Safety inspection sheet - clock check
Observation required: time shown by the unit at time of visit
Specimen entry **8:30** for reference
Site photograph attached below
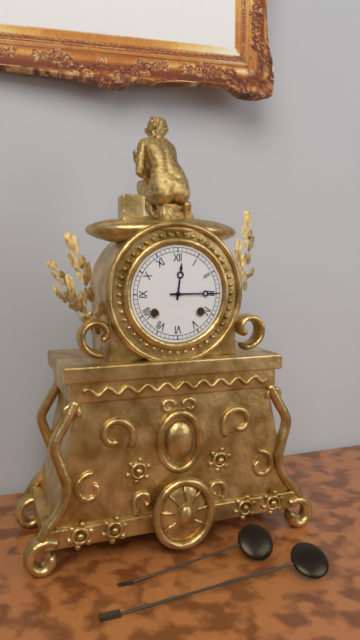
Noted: **12:15**
